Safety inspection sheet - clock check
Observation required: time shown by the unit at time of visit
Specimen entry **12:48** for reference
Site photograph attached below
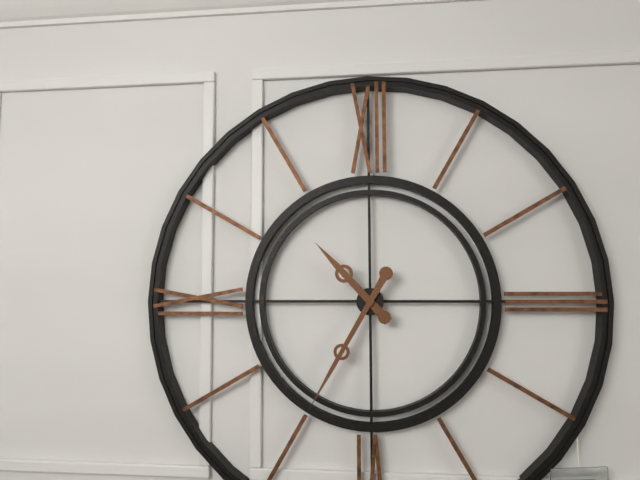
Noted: **10:35**
